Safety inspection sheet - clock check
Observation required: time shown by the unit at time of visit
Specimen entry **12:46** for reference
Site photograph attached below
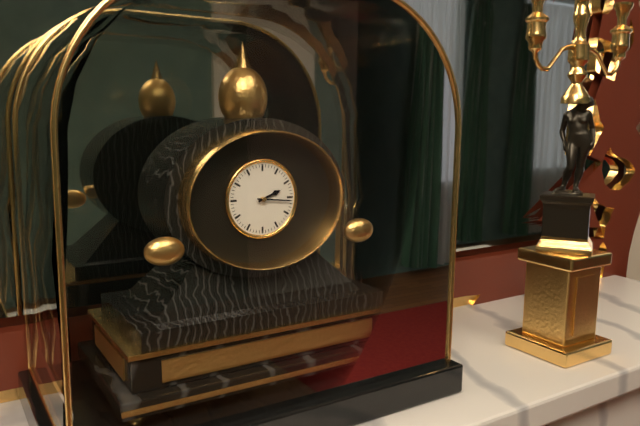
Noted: **2:16**
